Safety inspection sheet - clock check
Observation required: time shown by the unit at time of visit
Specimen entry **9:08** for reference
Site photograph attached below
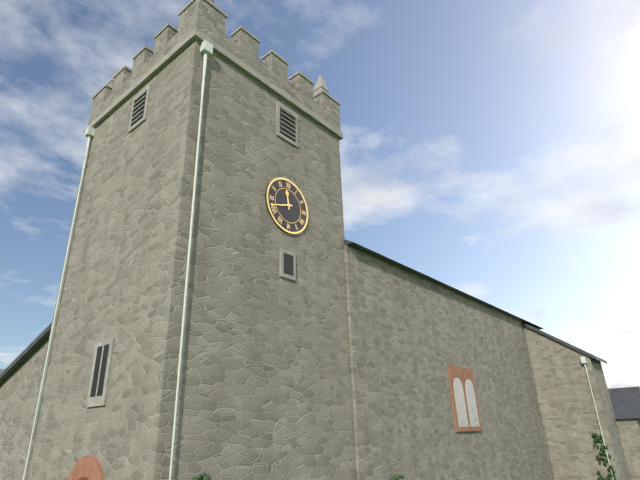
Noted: **11:42**
